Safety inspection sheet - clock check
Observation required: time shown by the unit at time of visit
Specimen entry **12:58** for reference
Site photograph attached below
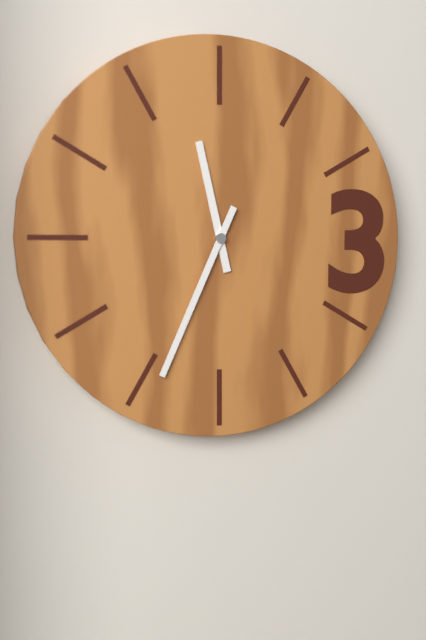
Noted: **11:34**
